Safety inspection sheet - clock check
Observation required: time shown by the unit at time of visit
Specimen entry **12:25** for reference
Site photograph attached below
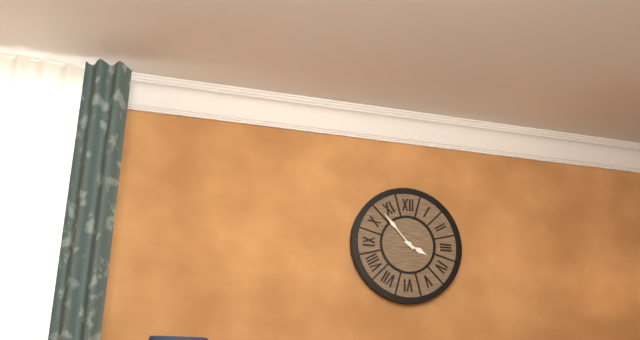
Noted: **3:53**
